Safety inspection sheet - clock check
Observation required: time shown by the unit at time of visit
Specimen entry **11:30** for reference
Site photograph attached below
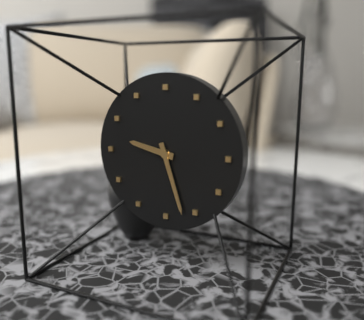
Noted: **9:27**
